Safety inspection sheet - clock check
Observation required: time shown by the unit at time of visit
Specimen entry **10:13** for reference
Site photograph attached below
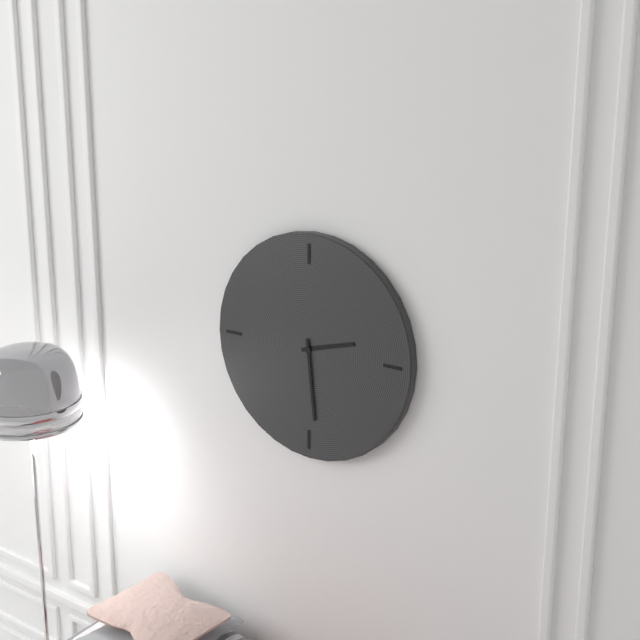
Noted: **2:29**
